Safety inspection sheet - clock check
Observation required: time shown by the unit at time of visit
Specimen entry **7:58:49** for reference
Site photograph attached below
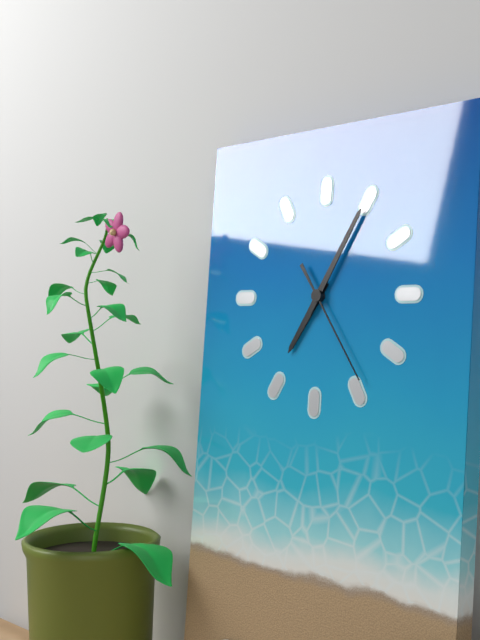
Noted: **7:05:24**
